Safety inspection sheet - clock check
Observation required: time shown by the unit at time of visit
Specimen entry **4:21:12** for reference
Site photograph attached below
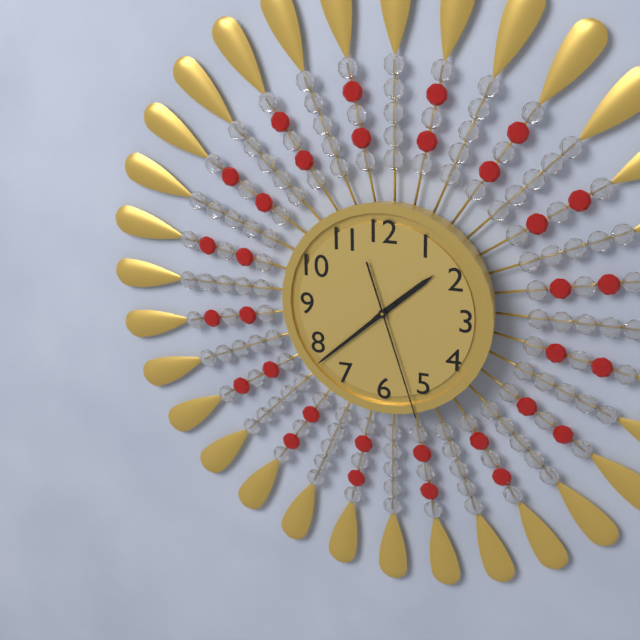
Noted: **1:38:27**
